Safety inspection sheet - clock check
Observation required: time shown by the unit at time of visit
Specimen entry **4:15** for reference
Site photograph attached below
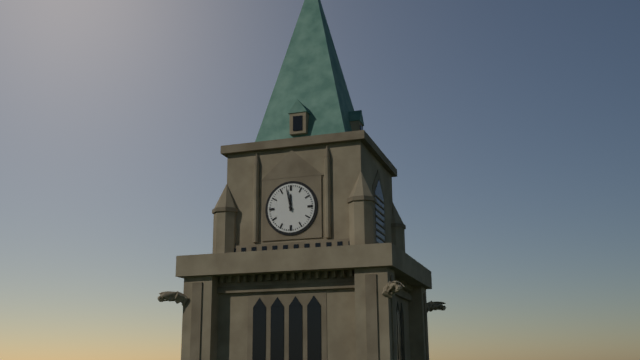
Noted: **11:58**
